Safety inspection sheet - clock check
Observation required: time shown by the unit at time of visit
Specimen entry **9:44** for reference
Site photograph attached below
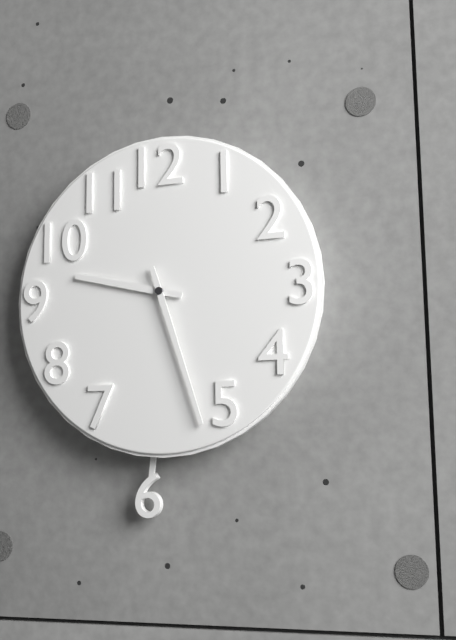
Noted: **9:27**
